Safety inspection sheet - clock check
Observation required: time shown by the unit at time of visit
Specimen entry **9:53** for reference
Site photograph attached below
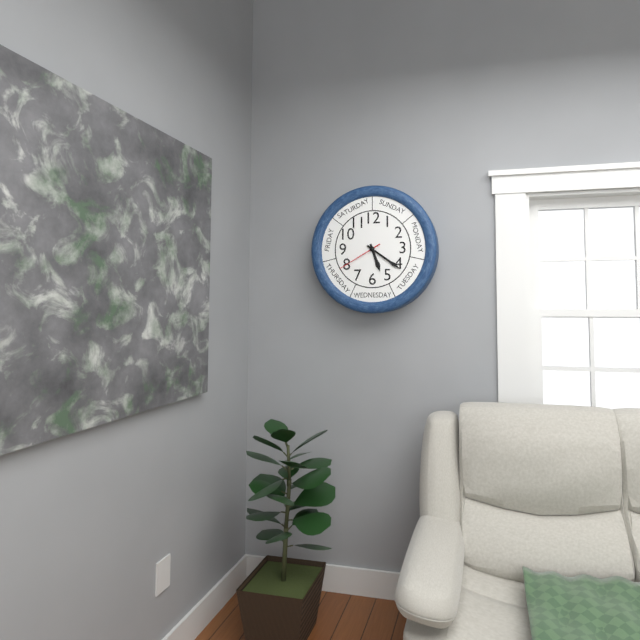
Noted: **5:21**
